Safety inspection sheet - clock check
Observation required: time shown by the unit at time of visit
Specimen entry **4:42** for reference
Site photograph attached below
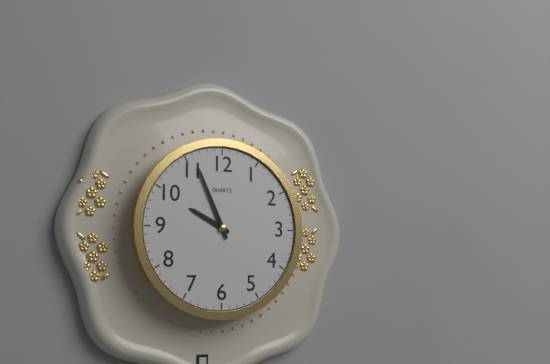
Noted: **9:56**
